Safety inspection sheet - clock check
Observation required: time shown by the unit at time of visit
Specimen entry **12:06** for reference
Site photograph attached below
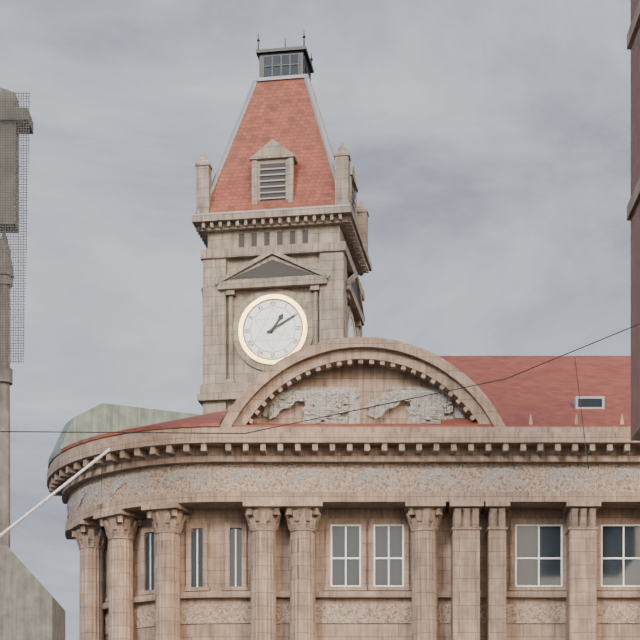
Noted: **1:10**
